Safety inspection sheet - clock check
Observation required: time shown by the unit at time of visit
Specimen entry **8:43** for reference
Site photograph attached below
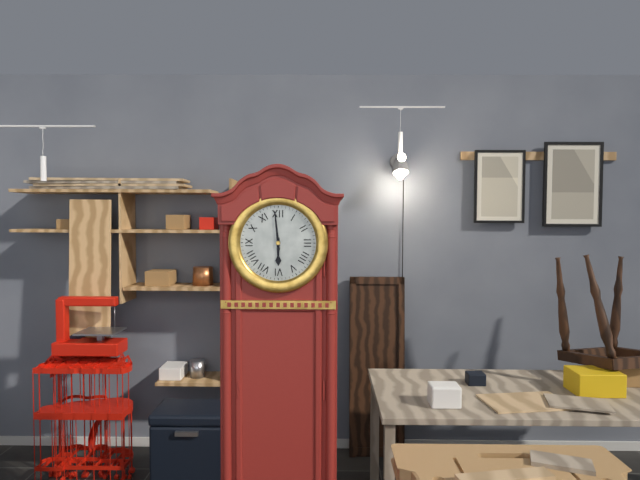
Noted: **5:59**
